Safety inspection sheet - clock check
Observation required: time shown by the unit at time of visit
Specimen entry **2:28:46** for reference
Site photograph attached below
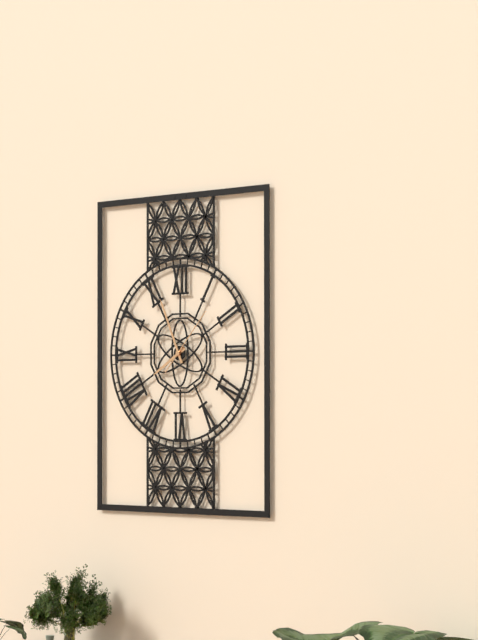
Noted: **7:56:07**
